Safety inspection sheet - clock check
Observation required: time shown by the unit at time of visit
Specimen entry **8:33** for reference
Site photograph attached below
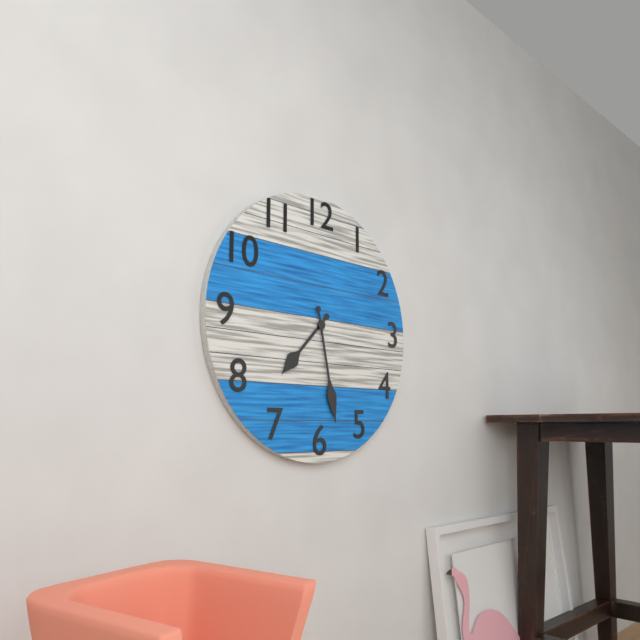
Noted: **7:28**
